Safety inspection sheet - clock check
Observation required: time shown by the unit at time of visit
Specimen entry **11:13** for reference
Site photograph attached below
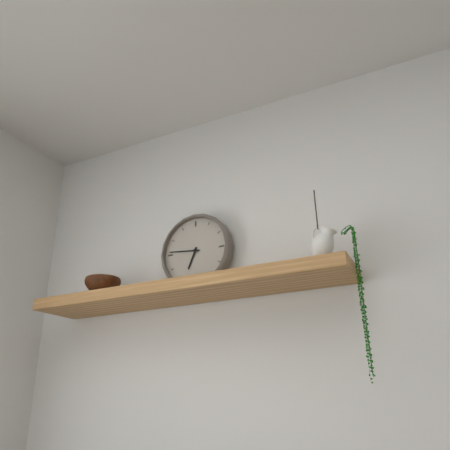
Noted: **6:46**
